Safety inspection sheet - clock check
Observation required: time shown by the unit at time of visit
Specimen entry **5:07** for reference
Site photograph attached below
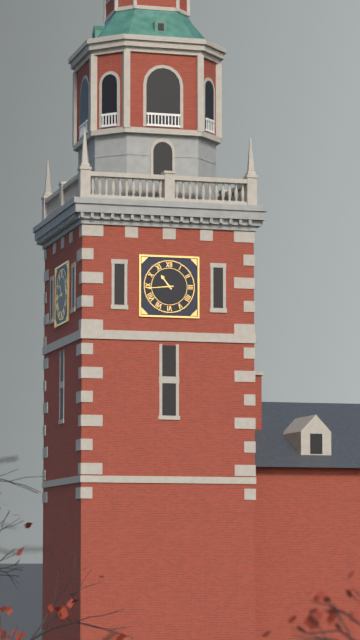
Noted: **10:44**
